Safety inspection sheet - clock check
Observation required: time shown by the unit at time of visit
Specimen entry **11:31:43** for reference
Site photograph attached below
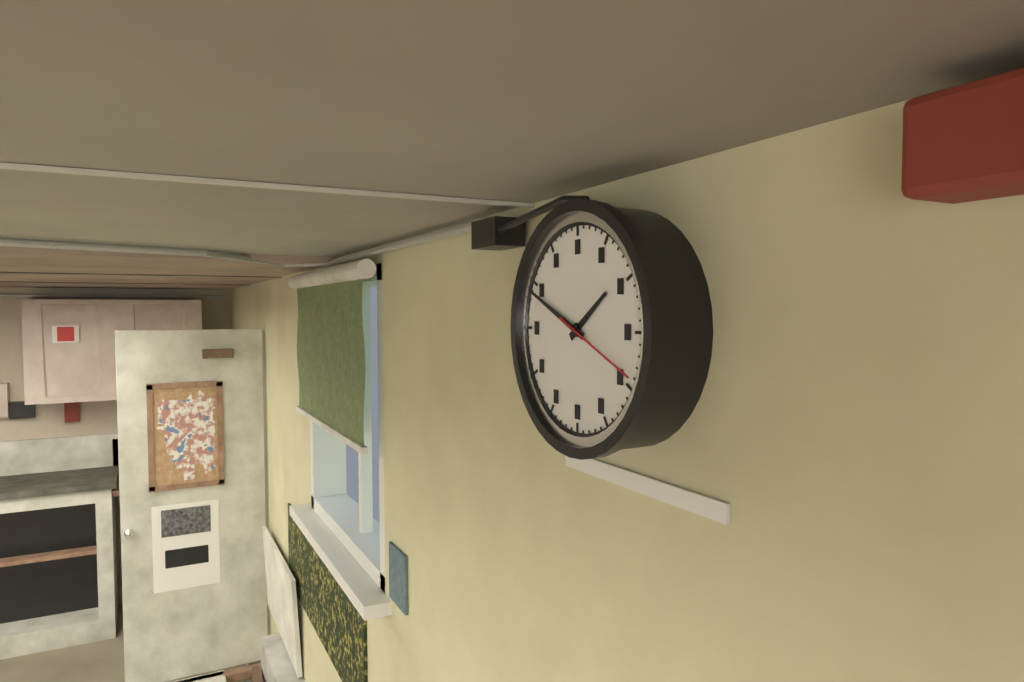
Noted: **1:49:19**
